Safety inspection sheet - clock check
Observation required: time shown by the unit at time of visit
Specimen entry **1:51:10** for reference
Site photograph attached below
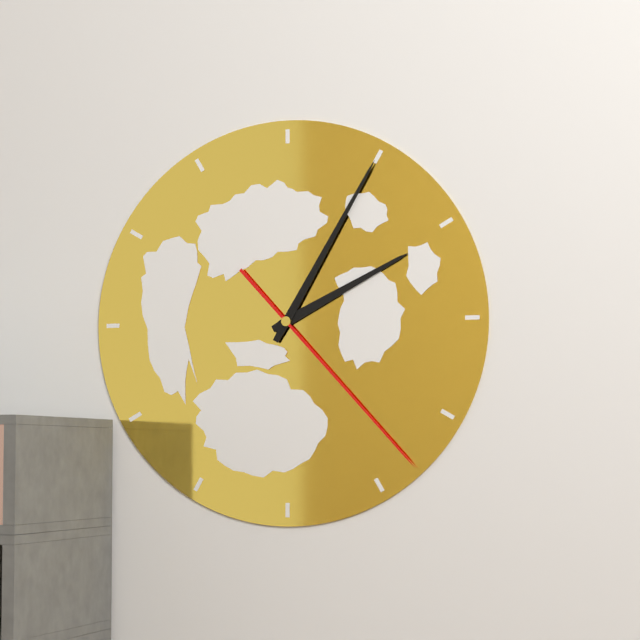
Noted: **2:05:23**
